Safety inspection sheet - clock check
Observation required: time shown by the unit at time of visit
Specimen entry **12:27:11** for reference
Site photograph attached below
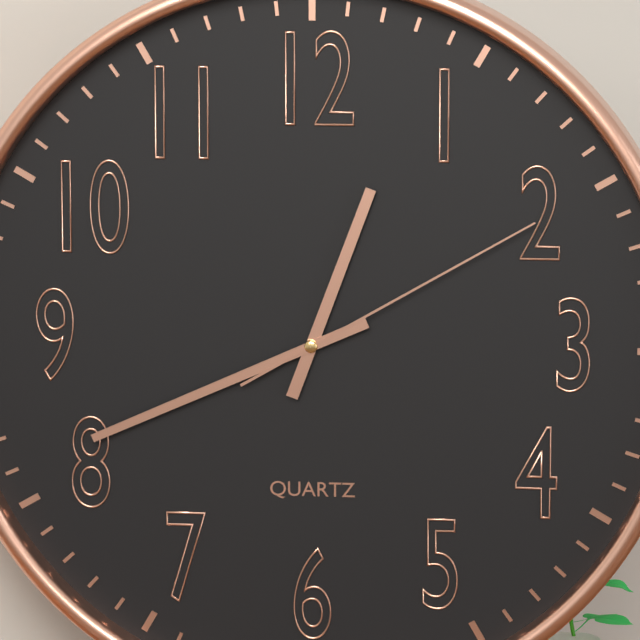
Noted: **12:41:10**
